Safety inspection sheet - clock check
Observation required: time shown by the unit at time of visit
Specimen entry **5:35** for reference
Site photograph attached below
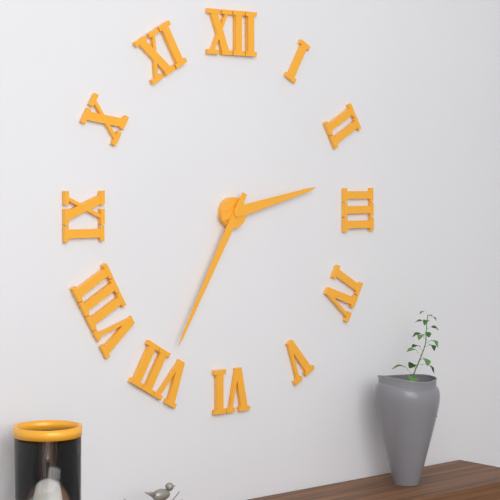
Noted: **2:35**
